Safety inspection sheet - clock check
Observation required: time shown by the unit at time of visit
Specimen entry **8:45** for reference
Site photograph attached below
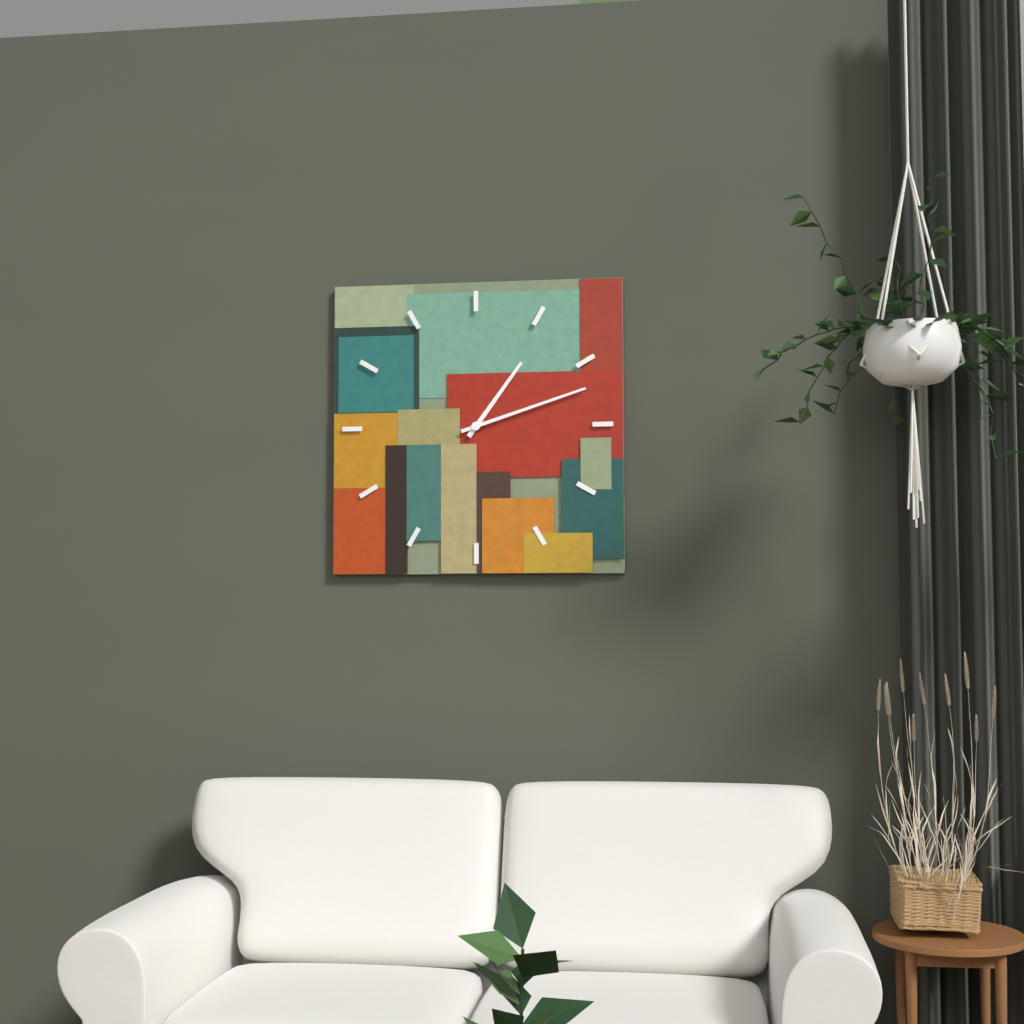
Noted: **1:12**
